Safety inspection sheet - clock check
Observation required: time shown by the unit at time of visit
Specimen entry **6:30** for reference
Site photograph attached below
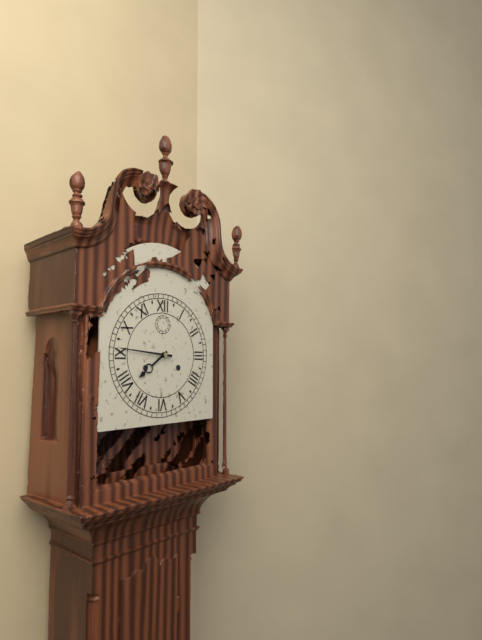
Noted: **7:46**
